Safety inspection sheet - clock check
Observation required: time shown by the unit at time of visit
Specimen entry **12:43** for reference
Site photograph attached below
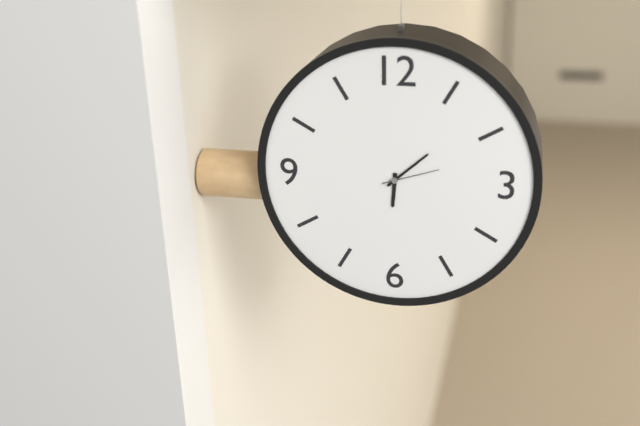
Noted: **6:08**
